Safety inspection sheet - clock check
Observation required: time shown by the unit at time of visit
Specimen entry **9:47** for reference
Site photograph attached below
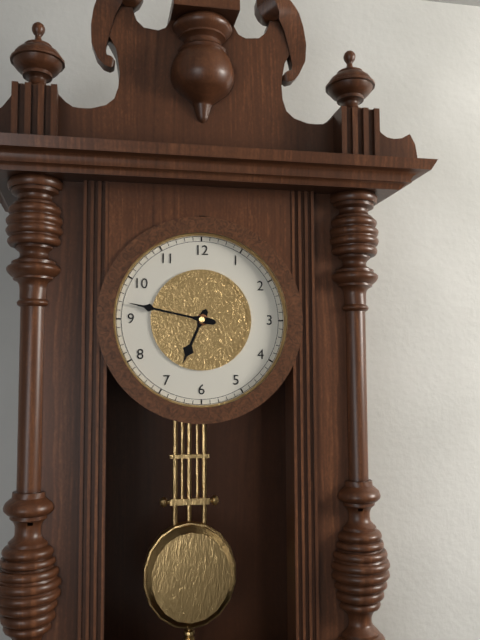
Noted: **6:47**
